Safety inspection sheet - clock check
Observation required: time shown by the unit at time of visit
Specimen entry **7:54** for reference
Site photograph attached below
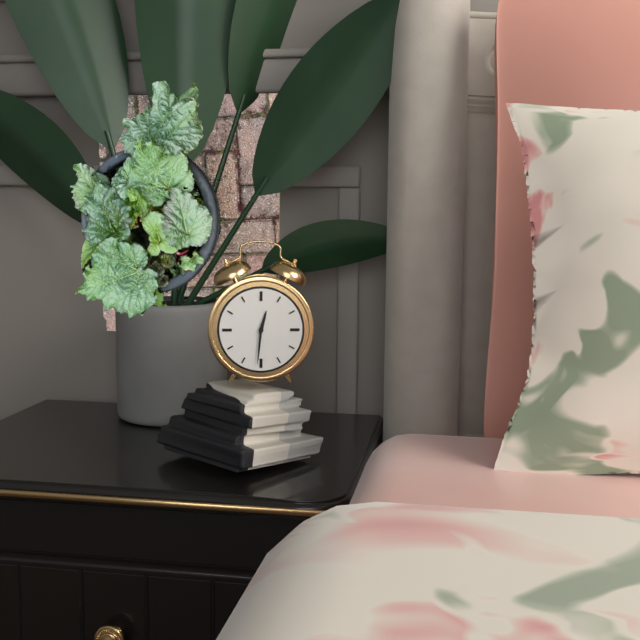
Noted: **12:31**
